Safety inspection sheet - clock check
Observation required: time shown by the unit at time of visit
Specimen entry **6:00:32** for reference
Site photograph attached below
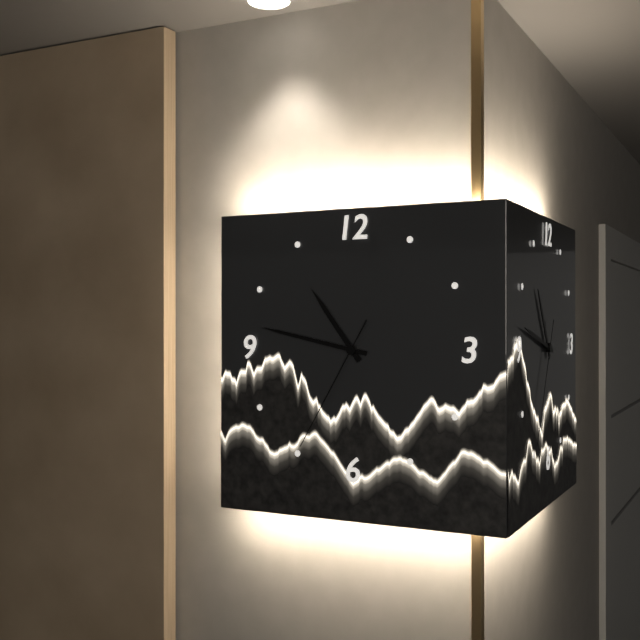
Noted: **10:47:35**
